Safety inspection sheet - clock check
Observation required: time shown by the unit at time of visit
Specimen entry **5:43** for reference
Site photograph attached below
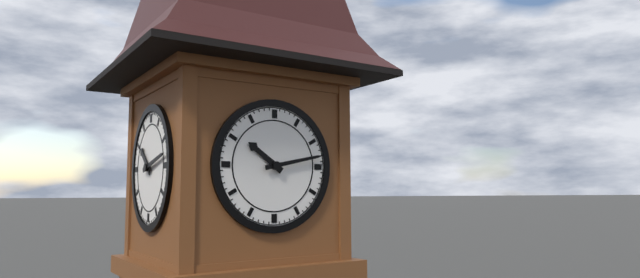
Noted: **10:13**
